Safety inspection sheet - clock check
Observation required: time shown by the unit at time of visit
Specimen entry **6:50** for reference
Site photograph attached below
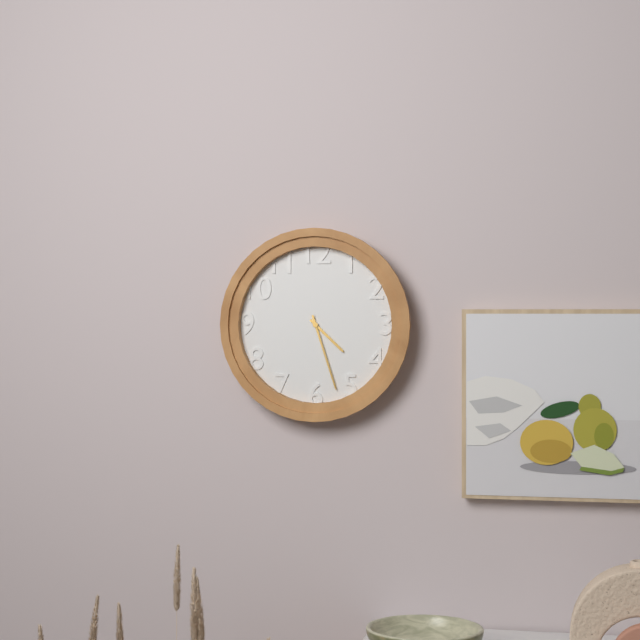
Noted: **4:27**
